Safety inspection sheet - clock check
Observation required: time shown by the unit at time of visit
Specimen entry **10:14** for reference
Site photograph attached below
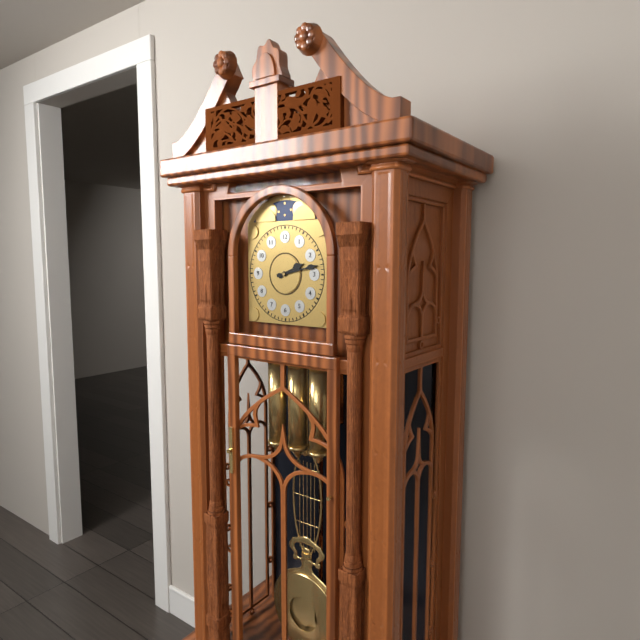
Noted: **2:13**
